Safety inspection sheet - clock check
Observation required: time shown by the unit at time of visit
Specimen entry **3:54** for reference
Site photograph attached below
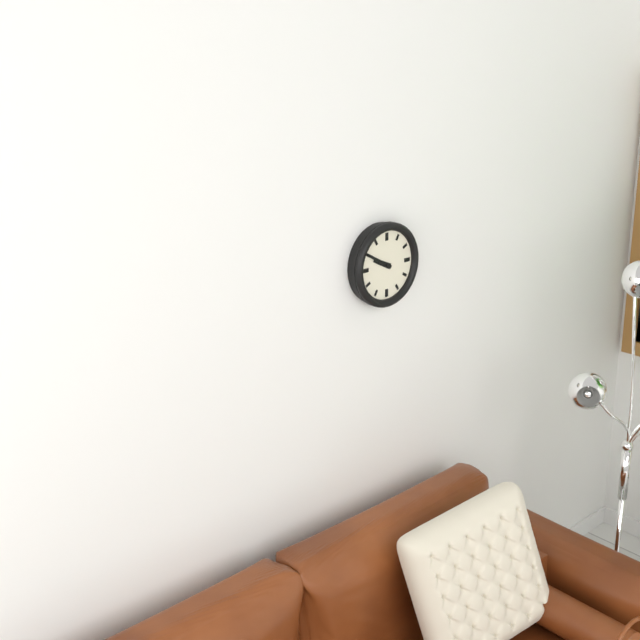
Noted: **9:50**
